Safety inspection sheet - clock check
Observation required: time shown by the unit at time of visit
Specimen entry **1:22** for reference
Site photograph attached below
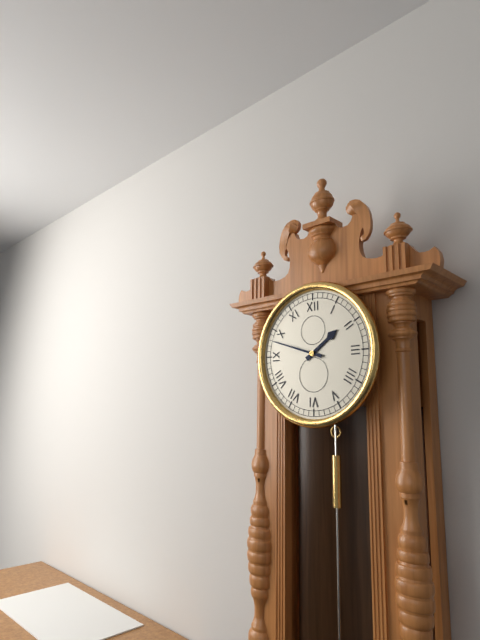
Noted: **1:48**
